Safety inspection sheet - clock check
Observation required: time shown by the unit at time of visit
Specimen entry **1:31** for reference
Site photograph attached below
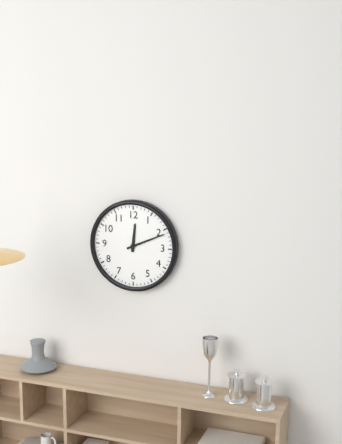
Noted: **12:11**
